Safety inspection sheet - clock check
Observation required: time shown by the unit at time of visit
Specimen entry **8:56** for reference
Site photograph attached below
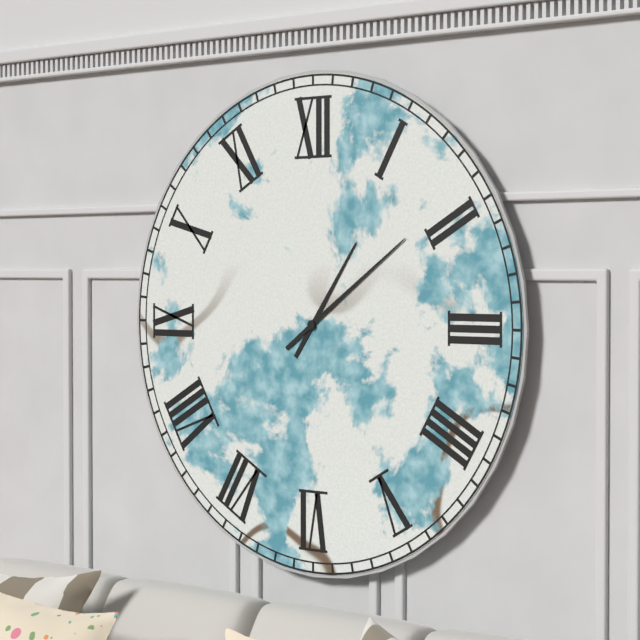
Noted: **1:09**
